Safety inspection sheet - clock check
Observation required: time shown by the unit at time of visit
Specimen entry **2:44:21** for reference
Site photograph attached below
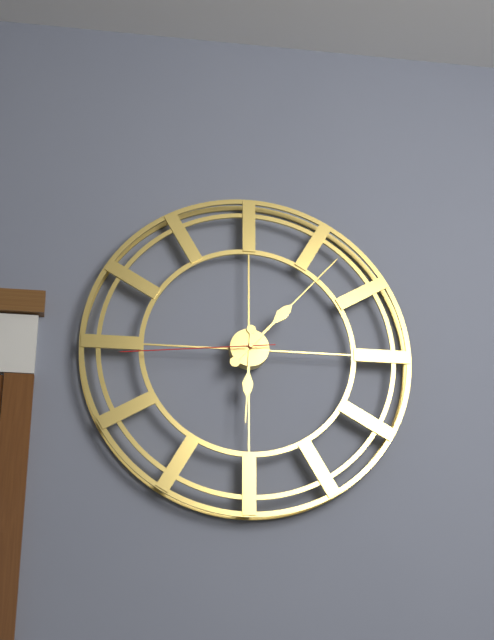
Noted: **6:07:44**
